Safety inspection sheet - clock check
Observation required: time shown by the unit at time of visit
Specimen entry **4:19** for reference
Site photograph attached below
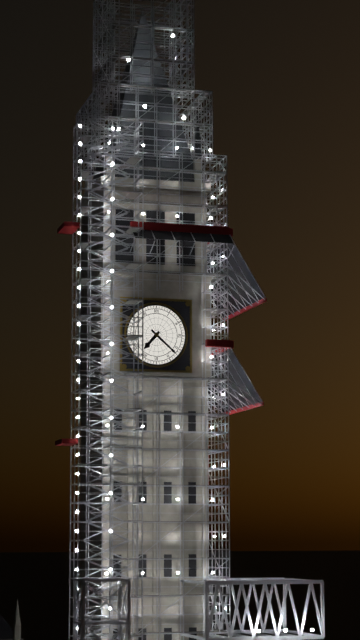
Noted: **7:22**
